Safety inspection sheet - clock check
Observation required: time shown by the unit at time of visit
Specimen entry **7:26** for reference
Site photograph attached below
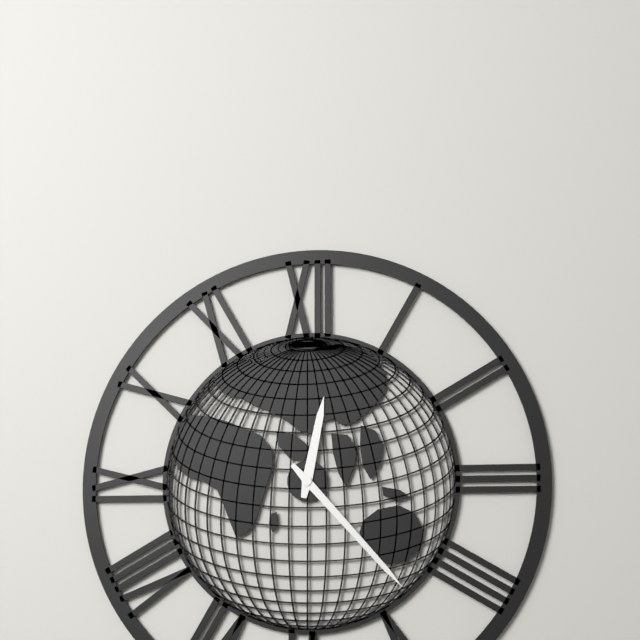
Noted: **12:23**
